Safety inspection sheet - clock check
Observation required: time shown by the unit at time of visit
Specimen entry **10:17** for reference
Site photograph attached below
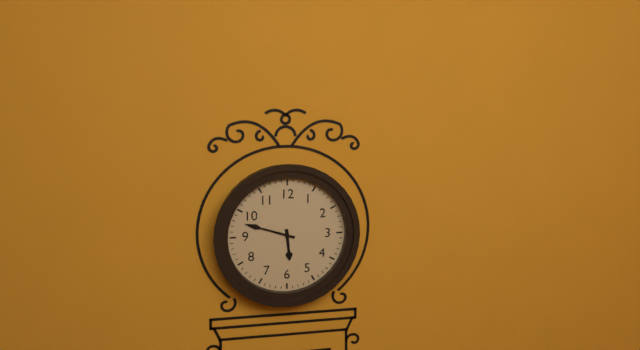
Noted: **5:48**
